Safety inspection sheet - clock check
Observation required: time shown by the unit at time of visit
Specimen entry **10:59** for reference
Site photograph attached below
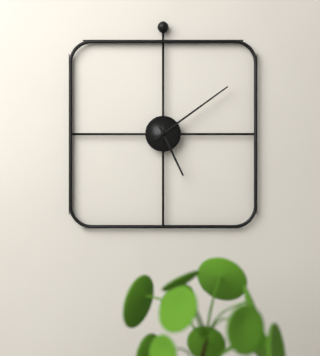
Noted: **5:09**
